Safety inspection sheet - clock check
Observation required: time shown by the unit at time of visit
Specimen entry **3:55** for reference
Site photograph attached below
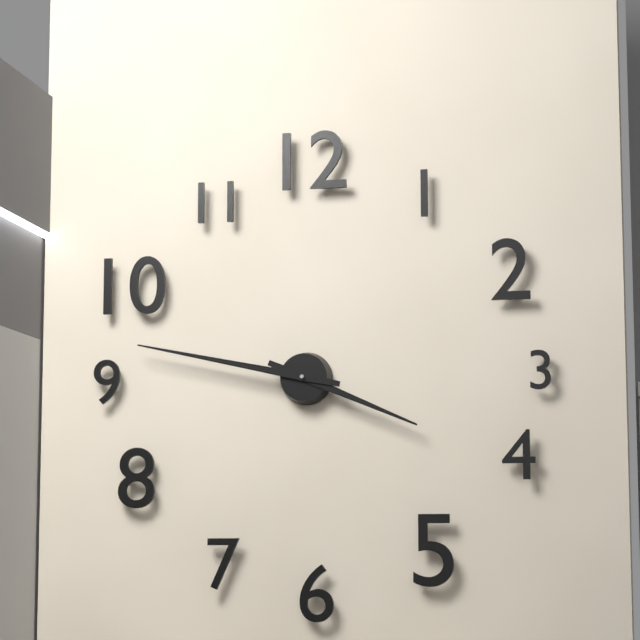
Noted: **3:47**
